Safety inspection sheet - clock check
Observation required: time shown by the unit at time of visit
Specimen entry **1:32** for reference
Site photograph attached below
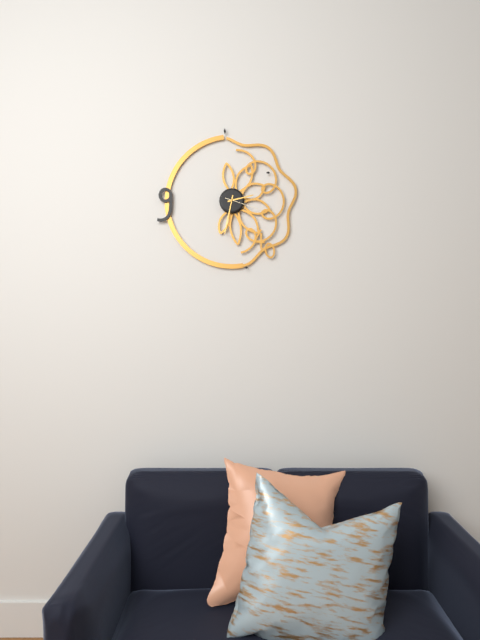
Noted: **2:32**
